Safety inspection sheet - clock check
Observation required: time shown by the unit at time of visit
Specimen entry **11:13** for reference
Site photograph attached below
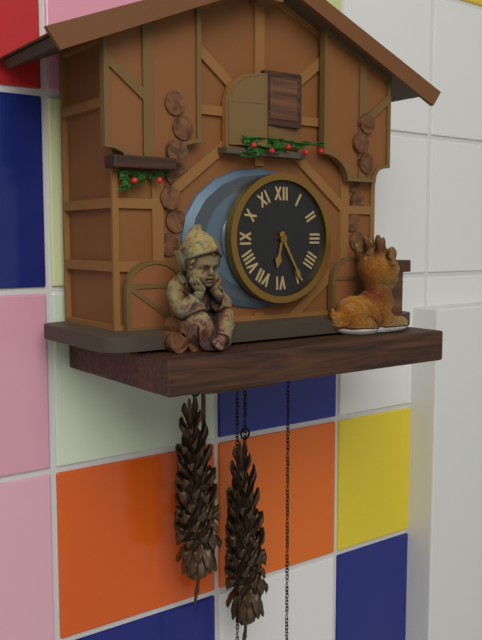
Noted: **6:25**
